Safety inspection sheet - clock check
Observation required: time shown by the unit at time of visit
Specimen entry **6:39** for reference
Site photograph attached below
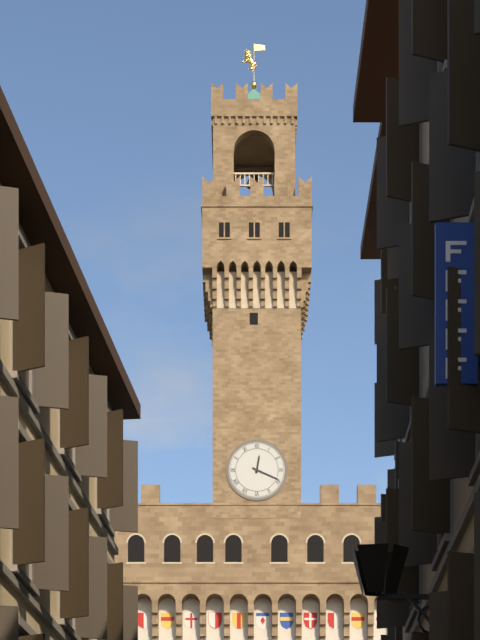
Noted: **12:19**
